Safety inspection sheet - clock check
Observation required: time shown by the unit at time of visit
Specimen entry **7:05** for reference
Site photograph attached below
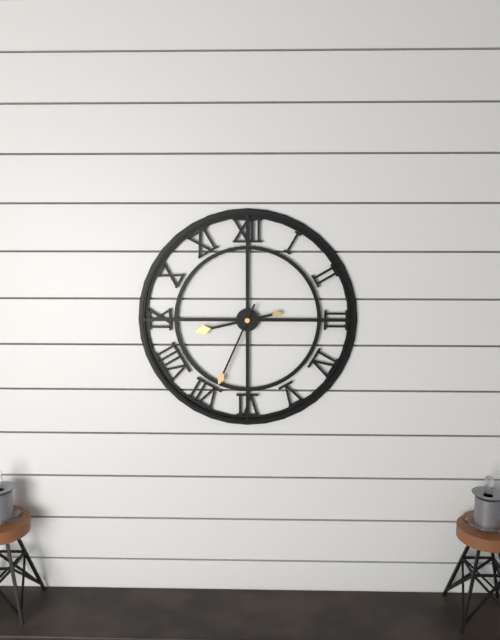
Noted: **8:34**
